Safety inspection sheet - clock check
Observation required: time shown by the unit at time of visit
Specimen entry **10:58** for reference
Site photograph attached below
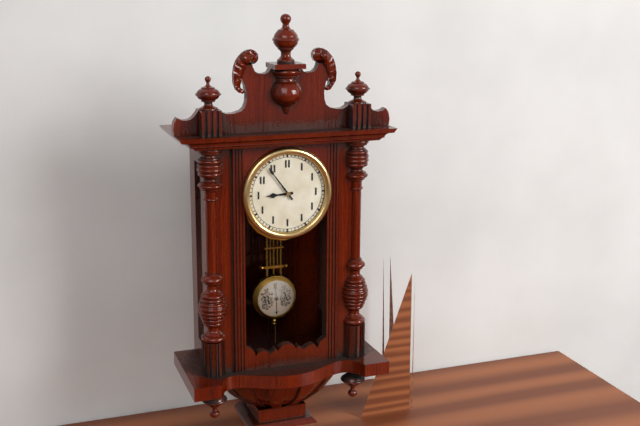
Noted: **8:54**
